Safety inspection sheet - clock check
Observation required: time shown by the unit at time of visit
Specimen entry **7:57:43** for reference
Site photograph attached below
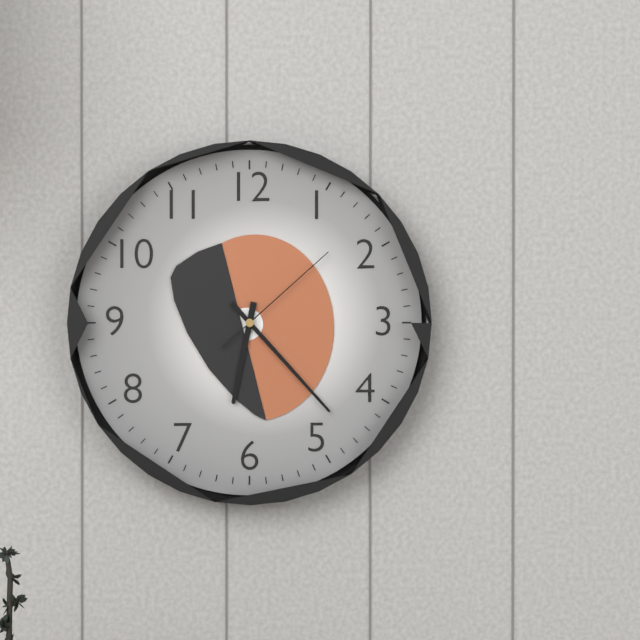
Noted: **6:23:08**
